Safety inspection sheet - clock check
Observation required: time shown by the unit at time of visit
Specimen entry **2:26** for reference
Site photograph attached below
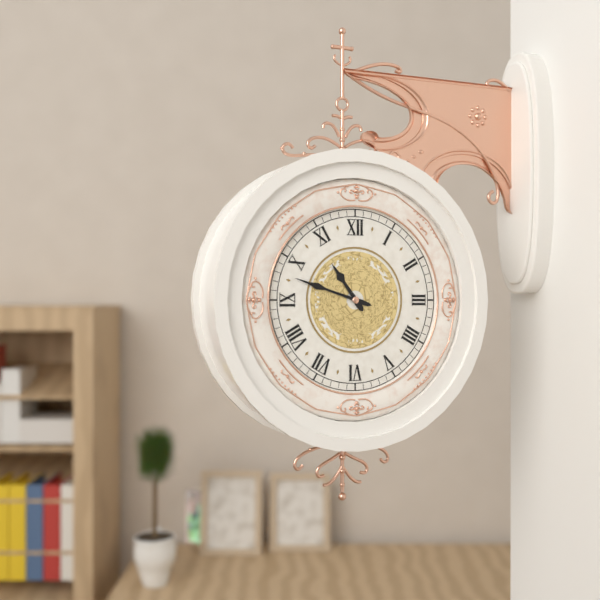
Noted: **10:48**
